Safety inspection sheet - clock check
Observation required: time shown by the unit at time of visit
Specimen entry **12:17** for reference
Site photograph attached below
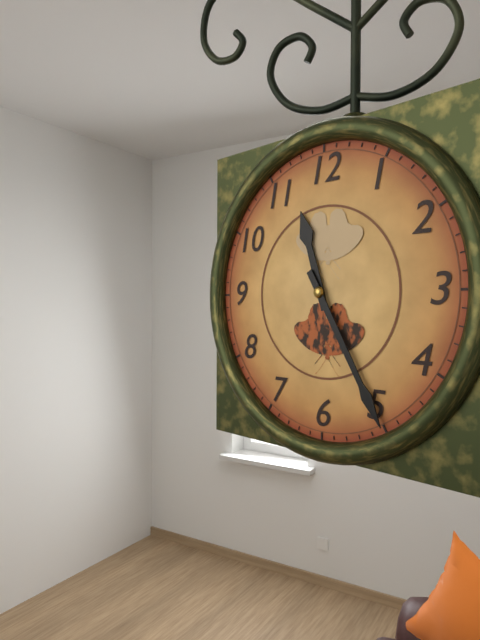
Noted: **11:25**
